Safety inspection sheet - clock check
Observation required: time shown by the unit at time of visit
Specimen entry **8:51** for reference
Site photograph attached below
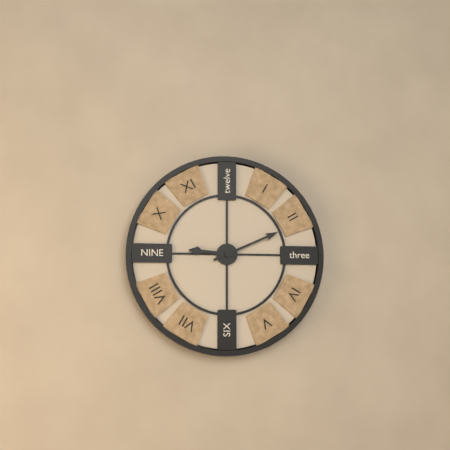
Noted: **9:11**
